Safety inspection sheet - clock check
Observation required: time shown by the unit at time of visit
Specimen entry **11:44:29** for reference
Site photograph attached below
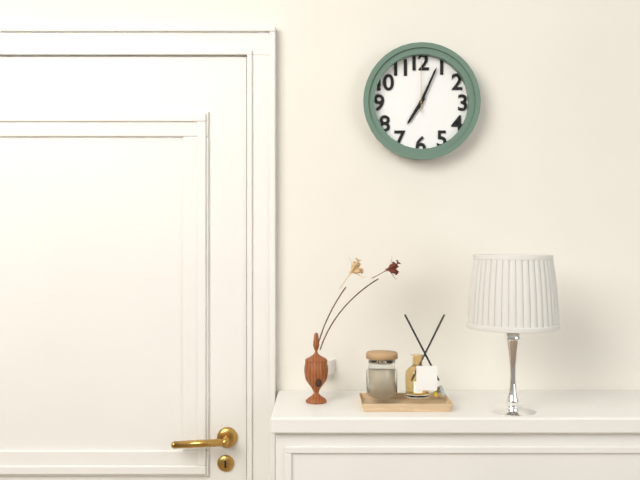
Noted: **7:04:00**
